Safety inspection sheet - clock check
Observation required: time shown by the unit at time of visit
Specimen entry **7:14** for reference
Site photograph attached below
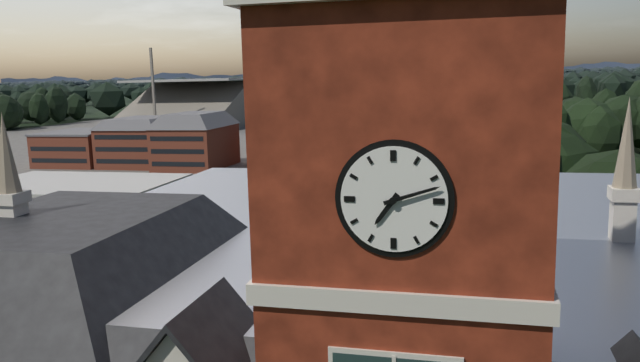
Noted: **7:12**
